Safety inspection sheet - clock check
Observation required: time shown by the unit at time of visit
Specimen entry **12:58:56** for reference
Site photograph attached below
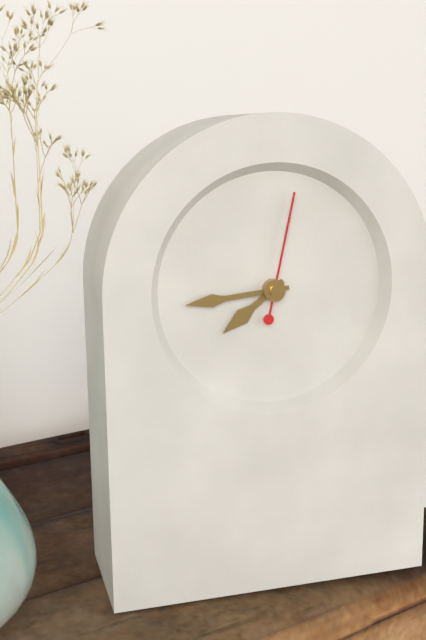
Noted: **7:44:02**
